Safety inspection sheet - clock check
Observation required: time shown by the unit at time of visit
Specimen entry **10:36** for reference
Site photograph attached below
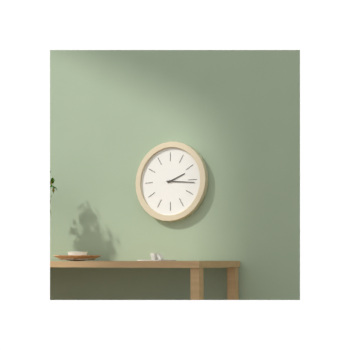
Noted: **2:16**
